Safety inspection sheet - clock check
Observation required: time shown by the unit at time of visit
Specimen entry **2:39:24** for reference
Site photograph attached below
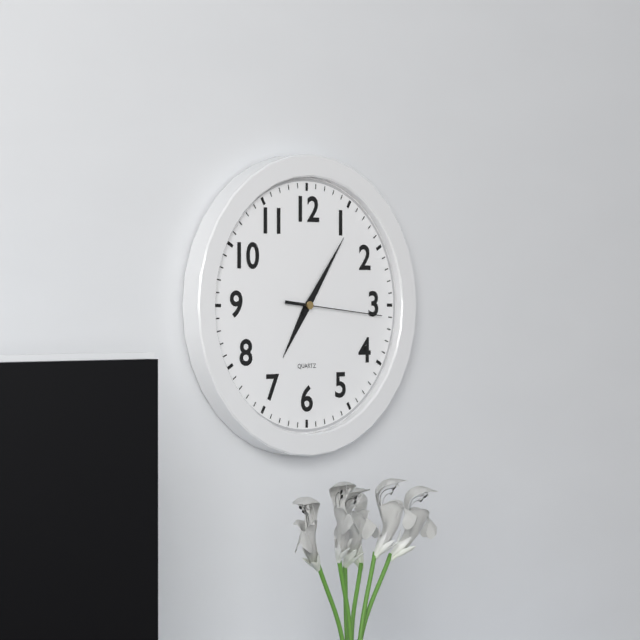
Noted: **7:06:16**
